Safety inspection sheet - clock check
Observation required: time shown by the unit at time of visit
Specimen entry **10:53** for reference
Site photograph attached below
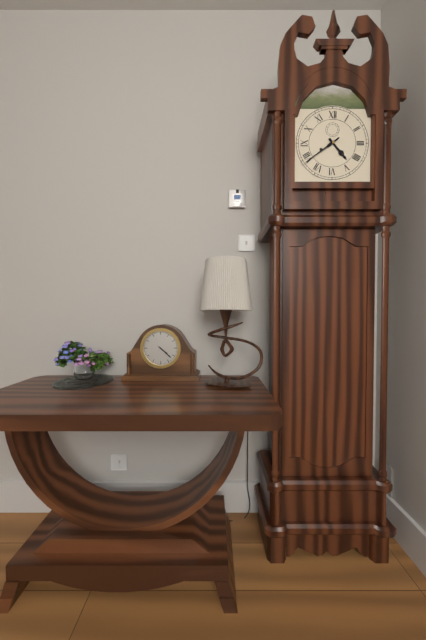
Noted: **4:39**
